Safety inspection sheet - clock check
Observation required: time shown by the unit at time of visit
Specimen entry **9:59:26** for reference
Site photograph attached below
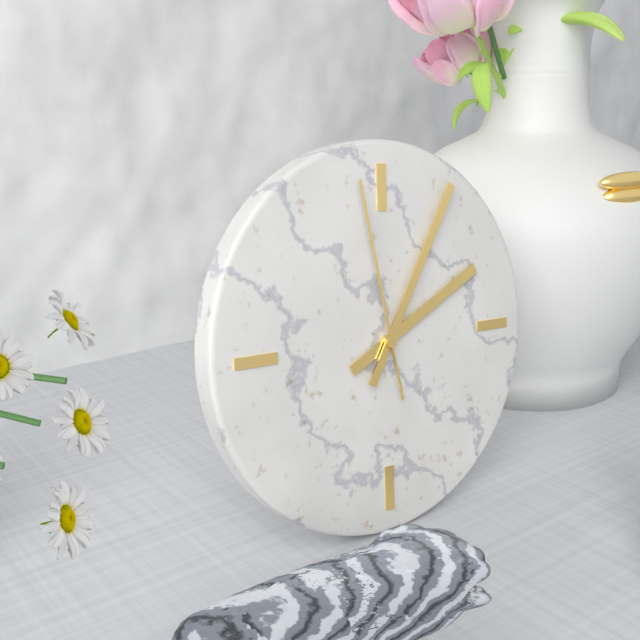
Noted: **2:05:58**
